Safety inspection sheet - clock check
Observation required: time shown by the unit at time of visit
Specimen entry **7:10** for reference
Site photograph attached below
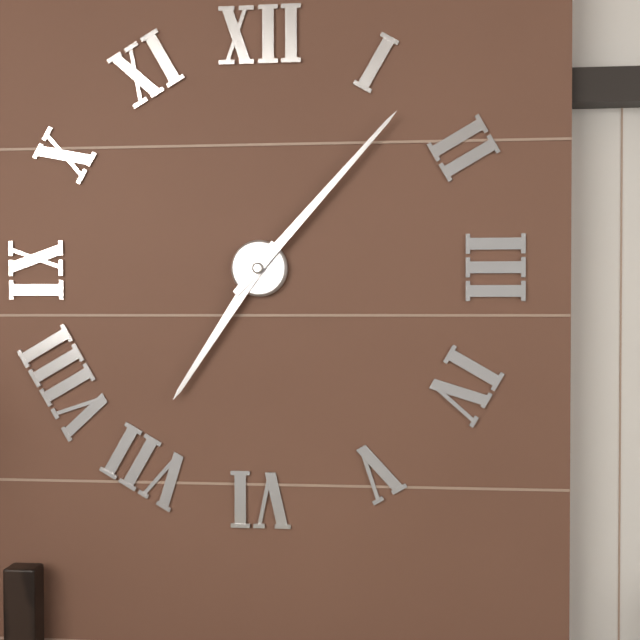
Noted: **7:07**
